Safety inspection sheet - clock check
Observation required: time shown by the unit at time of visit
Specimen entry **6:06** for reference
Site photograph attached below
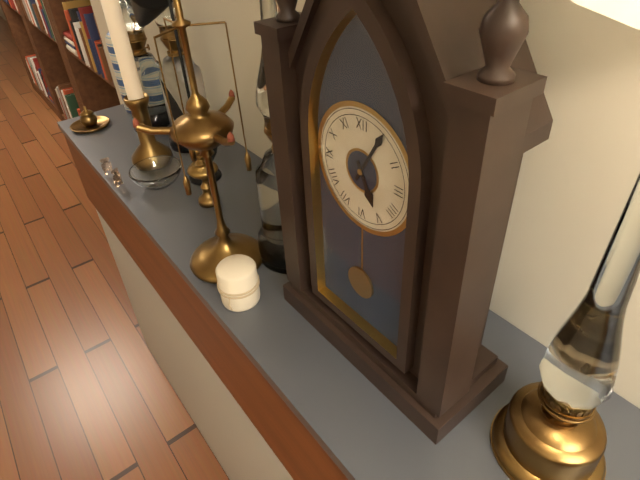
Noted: **5:05**
